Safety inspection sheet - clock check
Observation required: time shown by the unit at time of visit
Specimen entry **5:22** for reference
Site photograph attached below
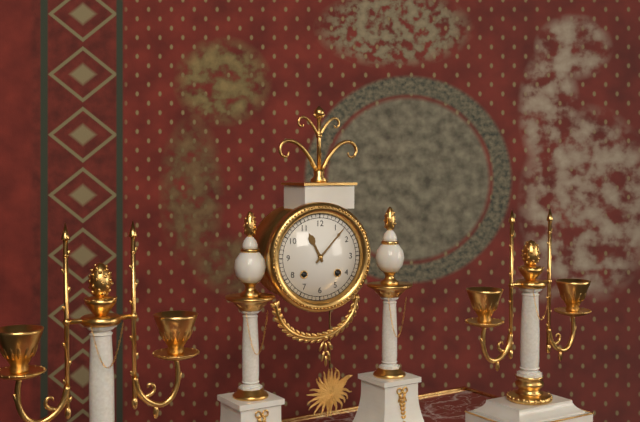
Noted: **11:07**
